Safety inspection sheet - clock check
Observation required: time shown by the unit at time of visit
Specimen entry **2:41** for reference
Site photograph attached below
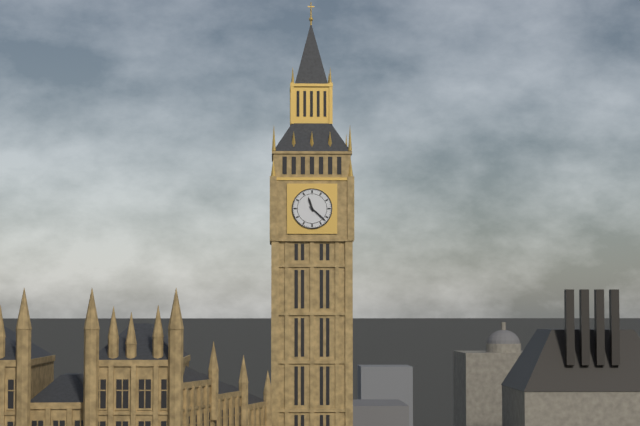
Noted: **11:22**
